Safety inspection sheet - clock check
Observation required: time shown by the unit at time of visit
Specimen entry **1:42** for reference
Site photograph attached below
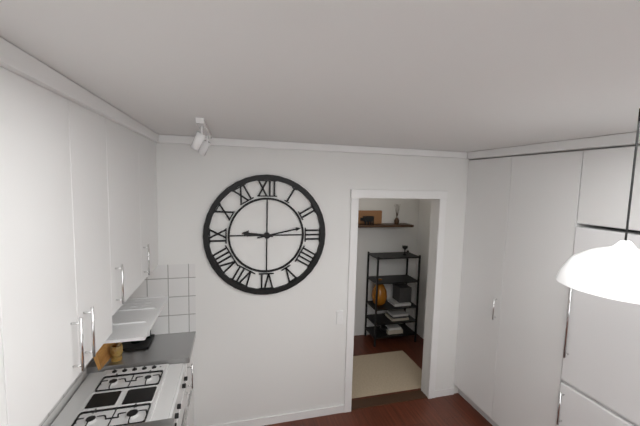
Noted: **9:13**
